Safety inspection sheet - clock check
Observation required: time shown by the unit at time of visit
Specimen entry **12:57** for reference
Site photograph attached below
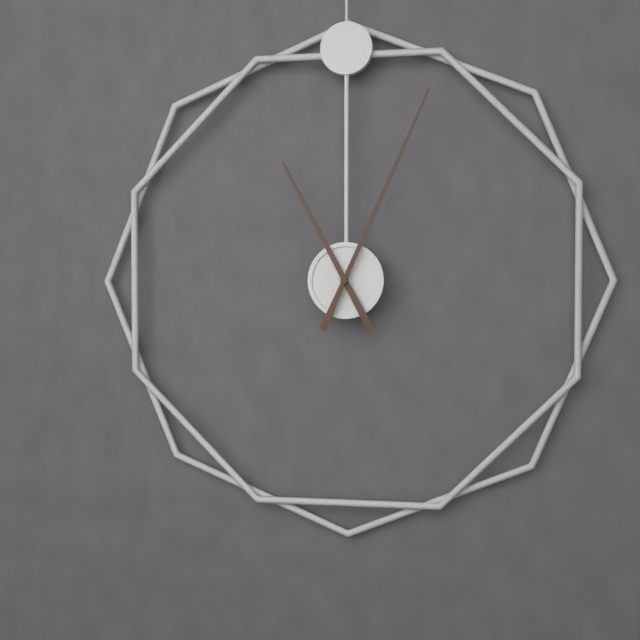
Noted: **11:04**
